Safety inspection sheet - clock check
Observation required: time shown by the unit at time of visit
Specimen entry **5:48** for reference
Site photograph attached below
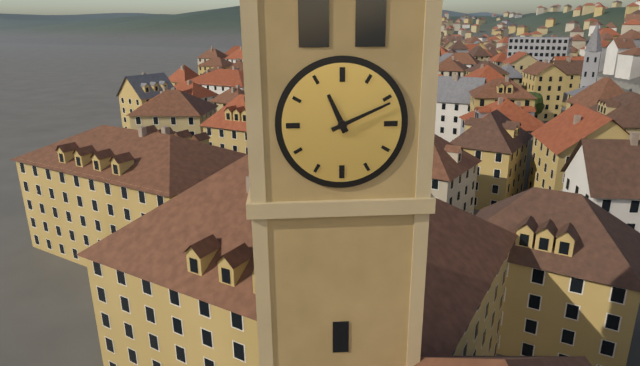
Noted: **11:11**
